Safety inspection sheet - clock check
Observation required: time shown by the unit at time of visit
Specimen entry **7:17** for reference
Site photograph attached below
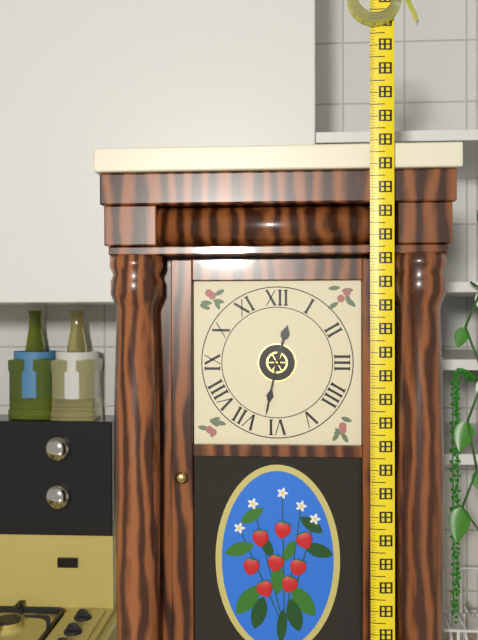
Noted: **12:32**
